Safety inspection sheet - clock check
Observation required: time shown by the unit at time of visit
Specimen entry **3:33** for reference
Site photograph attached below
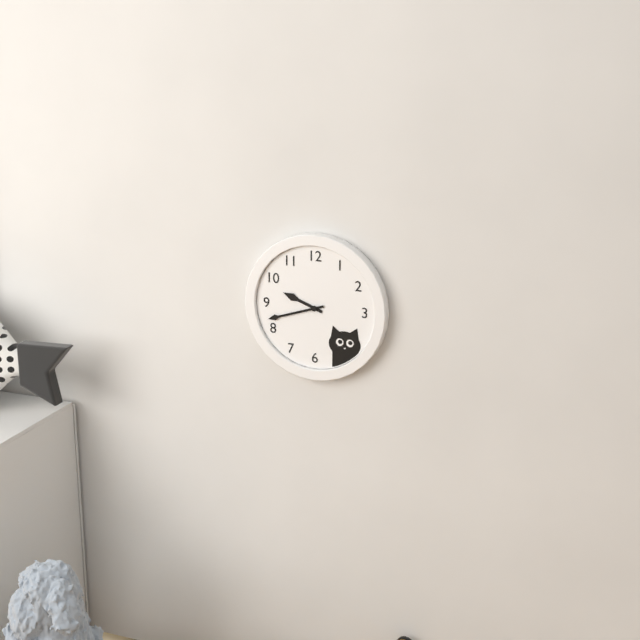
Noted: **9:42**
